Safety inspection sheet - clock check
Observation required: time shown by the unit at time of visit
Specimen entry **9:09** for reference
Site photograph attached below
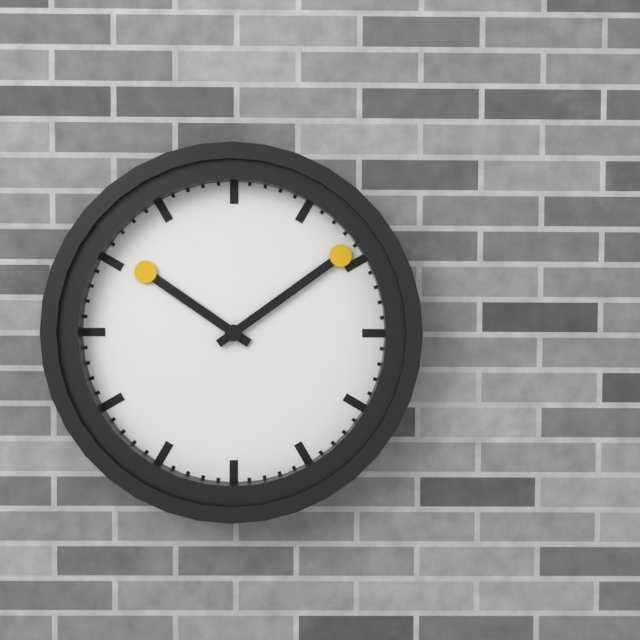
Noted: **10:09**
